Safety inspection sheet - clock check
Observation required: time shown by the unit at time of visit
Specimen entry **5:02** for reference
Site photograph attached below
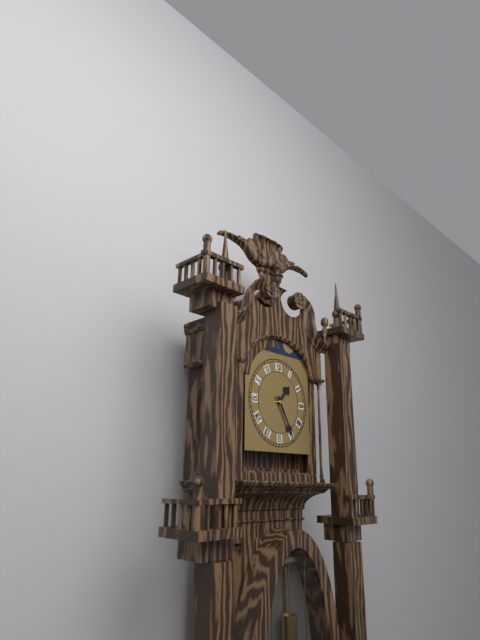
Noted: **1:25**
